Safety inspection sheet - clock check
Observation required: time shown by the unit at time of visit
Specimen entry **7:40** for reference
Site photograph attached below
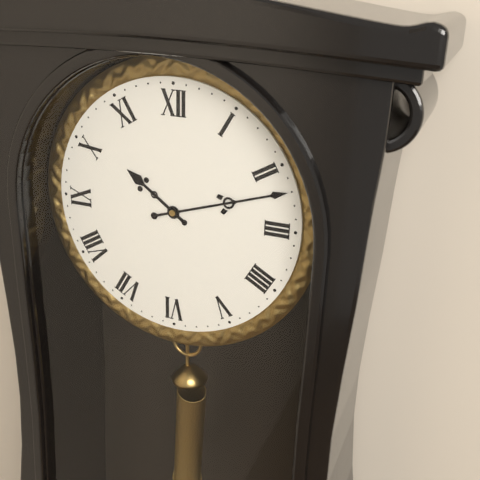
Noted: **10:12**
